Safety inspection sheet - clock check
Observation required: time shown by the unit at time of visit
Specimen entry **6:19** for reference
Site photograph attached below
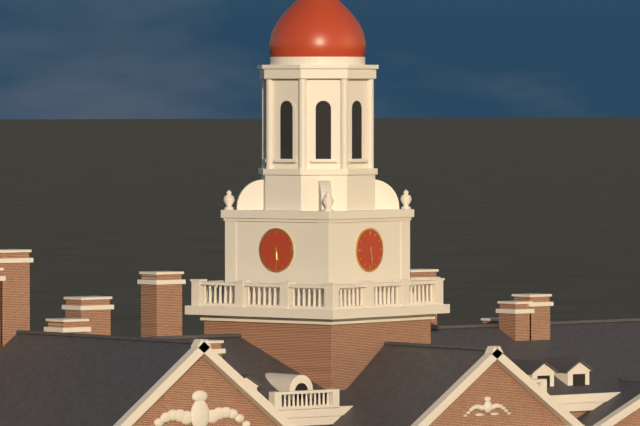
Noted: **5:29**
